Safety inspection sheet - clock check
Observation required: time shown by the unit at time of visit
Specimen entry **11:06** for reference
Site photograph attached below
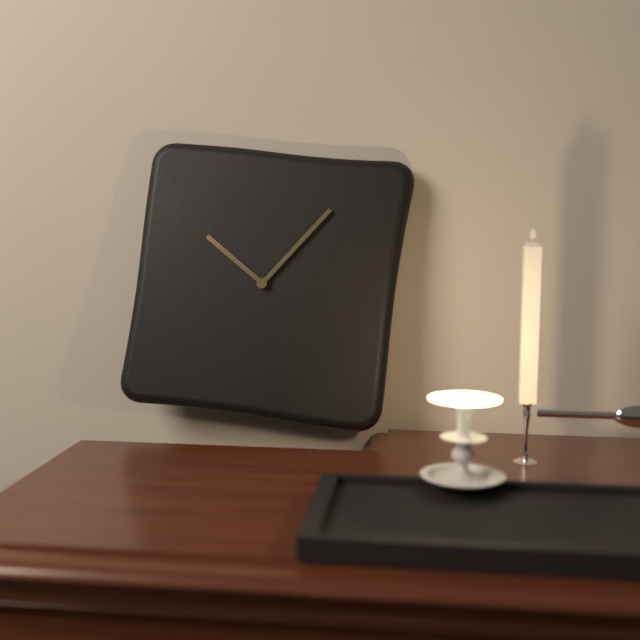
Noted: **10:06**
